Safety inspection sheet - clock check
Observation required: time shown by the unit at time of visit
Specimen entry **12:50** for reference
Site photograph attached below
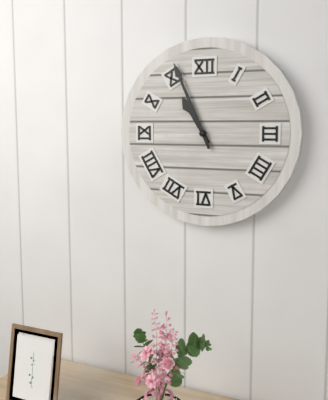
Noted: **10:56**
